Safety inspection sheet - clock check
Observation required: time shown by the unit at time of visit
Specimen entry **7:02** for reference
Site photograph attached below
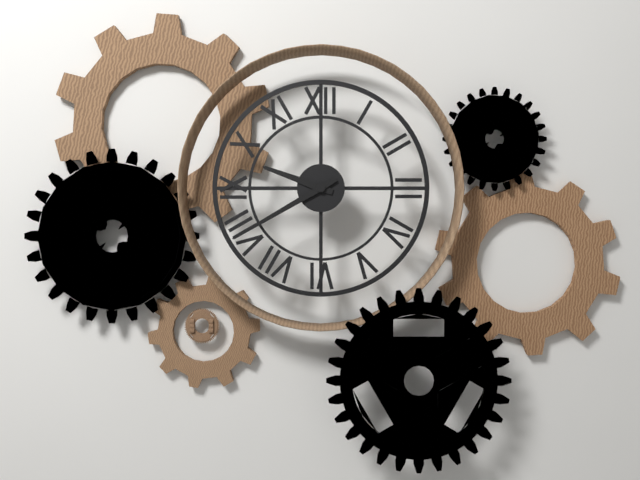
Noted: **9:40**
